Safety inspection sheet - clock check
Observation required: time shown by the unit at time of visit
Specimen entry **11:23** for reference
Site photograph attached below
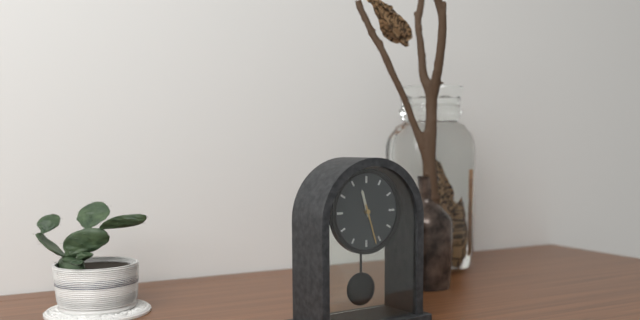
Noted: **11:27**
